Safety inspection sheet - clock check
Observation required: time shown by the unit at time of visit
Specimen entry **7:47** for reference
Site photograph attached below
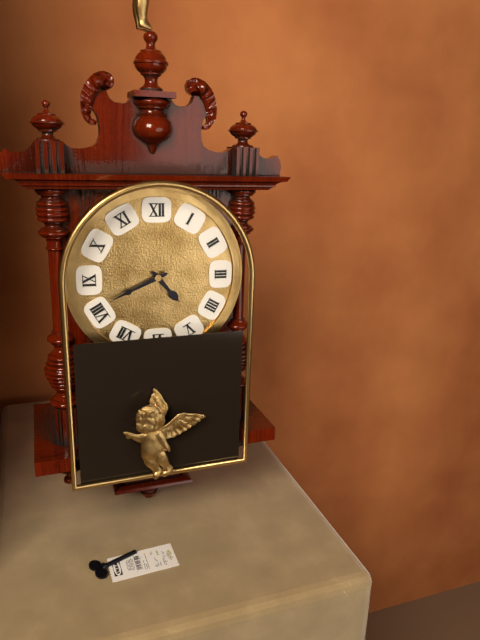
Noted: **4:41**
